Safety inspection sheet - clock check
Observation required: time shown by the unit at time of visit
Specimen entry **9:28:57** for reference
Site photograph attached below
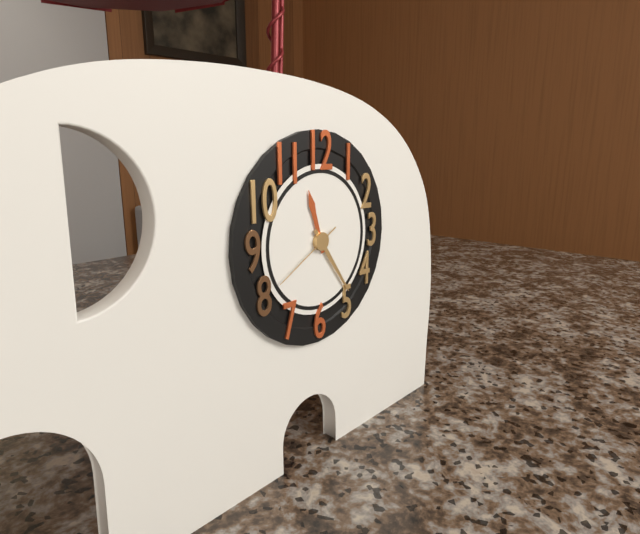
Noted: **11:24:40**
